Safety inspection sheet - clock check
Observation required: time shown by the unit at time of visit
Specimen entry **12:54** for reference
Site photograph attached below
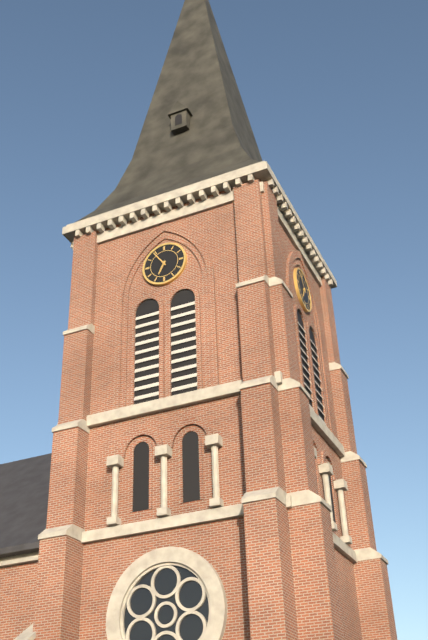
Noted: **6:54**
